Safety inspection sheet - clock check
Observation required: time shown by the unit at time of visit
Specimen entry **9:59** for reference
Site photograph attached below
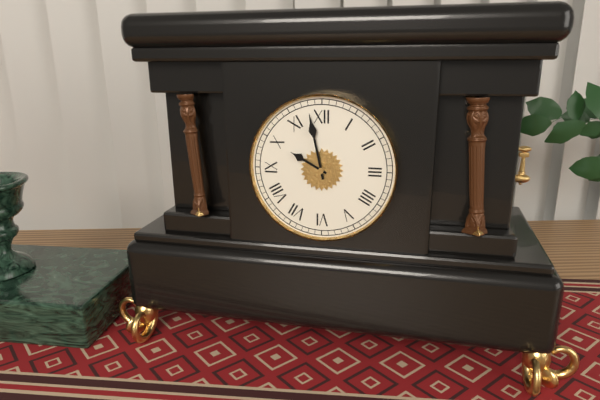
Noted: **9:58**
